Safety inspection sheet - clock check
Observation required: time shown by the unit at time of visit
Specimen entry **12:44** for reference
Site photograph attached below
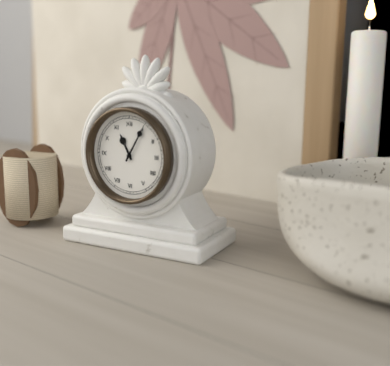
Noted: **11:05**
